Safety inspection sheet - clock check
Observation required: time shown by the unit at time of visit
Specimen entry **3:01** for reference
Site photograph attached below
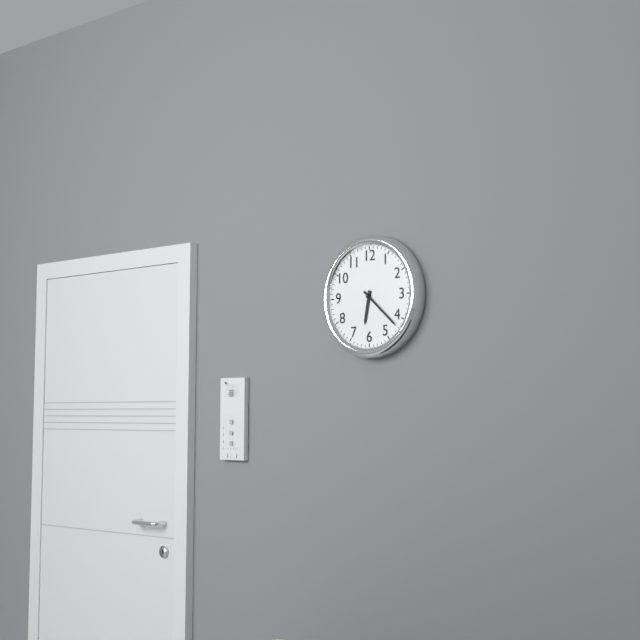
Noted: **6:22**
